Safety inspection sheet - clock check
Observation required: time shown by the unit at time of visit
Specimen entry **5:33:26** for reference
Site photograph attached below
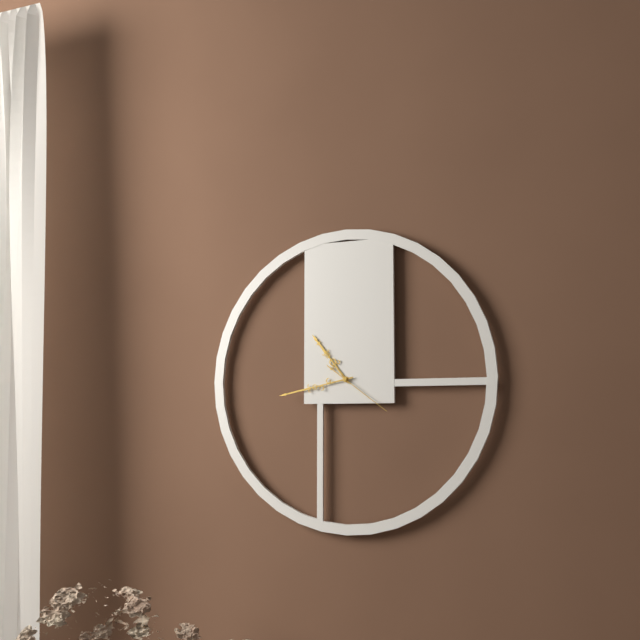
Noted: **10:43:21**
